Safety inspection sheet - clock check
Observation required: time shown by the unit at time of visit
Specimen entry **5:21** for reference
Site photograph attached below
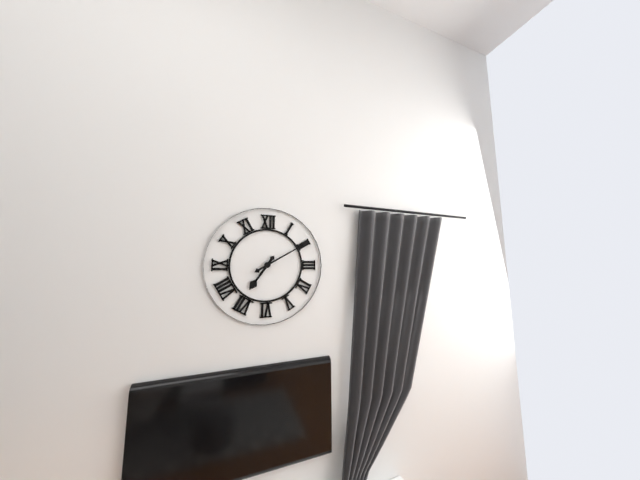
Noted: **7:10**
